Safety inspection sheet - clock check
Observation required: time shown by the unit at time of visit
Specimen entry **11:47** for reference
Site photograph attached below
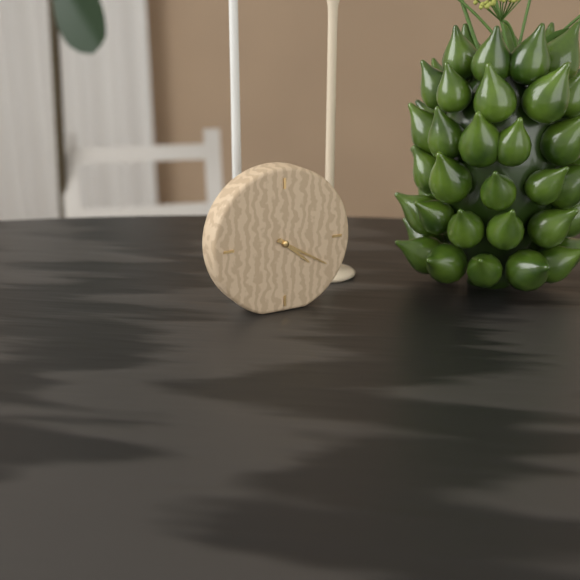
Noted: **4:20**
